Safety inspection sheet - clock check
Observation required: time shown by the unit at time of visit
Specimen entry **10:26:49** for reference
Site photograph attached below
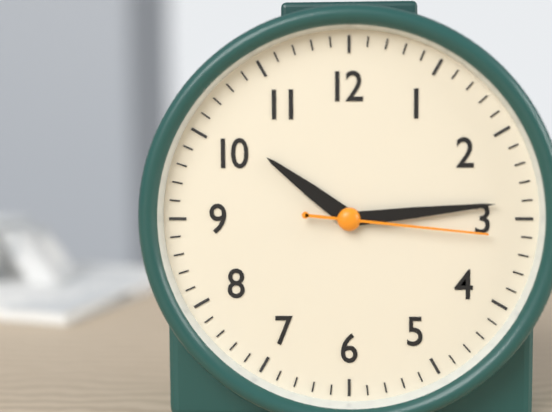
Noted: **10:14:16**
